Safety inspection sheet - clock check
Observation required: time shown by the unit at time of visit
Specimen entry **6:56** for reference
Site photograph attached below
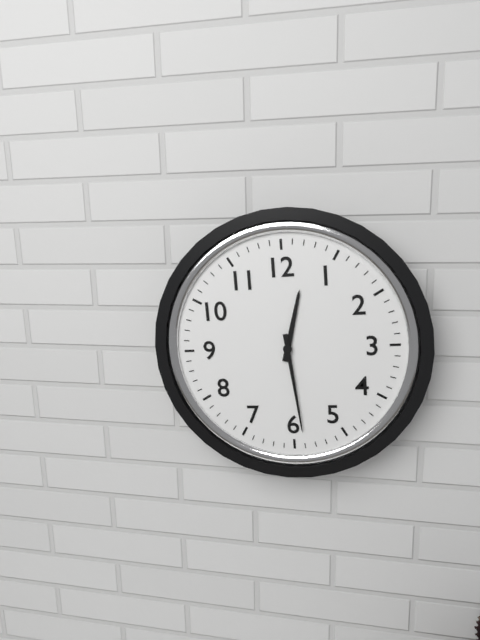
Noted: **12:29**
